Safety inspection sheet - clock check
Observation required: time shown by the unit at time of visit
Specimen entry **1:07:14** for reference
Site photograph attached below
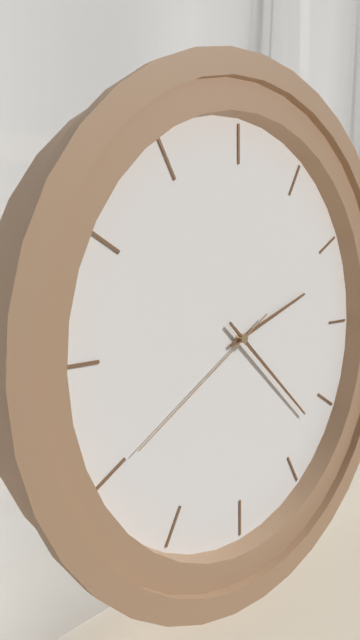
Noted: **2:22:40**
